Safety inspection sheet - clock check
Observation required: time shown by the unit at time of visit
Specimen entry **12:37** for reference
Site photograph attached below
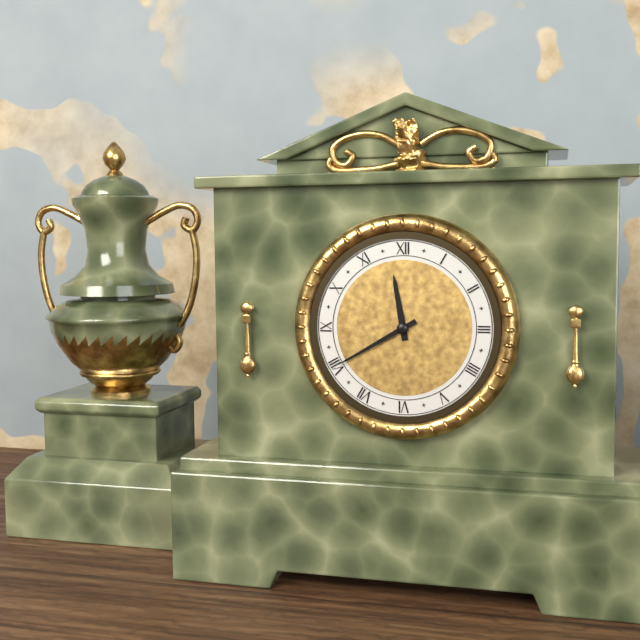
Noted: **11:40**
